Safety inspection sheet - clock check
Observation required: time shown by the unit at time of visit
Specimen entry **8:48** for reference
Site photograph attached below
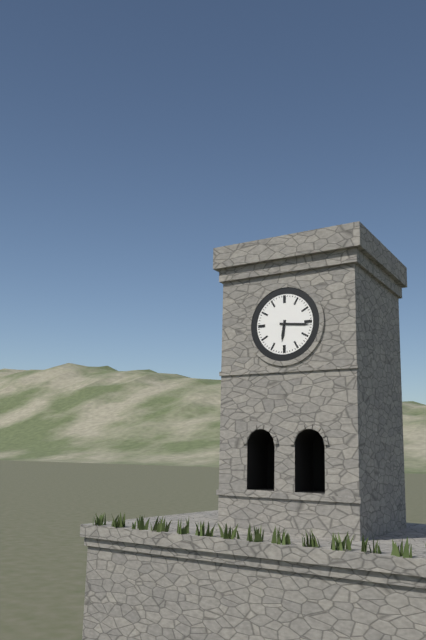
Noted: **6:16**
